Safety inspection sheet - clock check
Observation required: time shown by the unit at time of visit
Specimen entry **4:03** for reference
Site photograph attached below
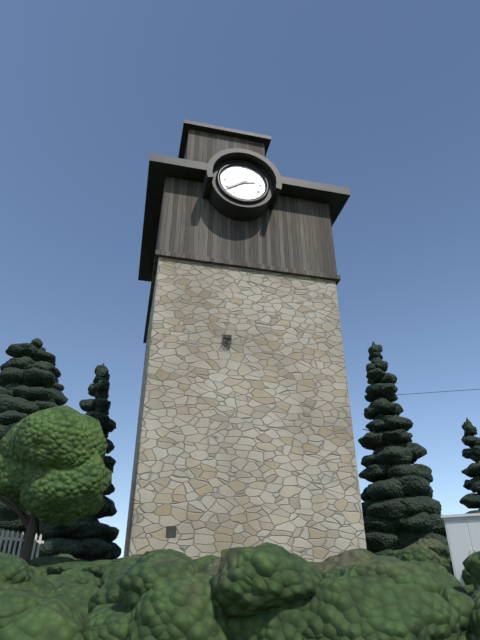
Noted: **2:39**
